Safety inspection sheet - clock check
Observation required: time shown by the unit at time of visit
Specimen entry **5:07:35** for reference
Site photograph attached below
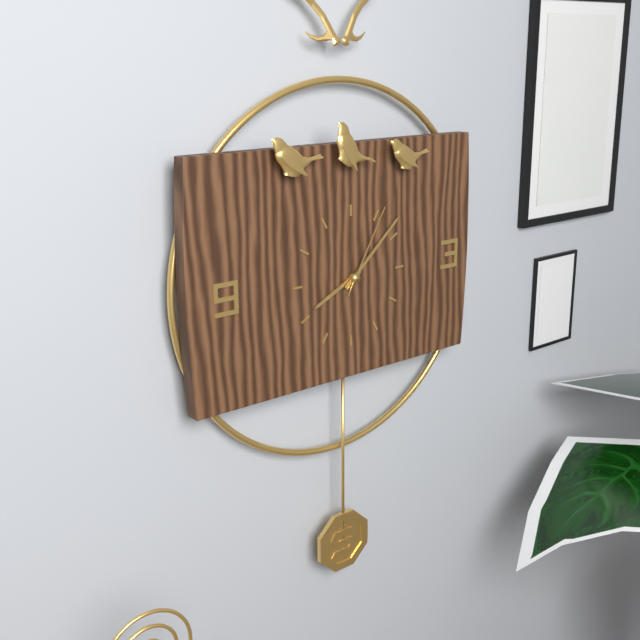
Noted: **8:08:05**
